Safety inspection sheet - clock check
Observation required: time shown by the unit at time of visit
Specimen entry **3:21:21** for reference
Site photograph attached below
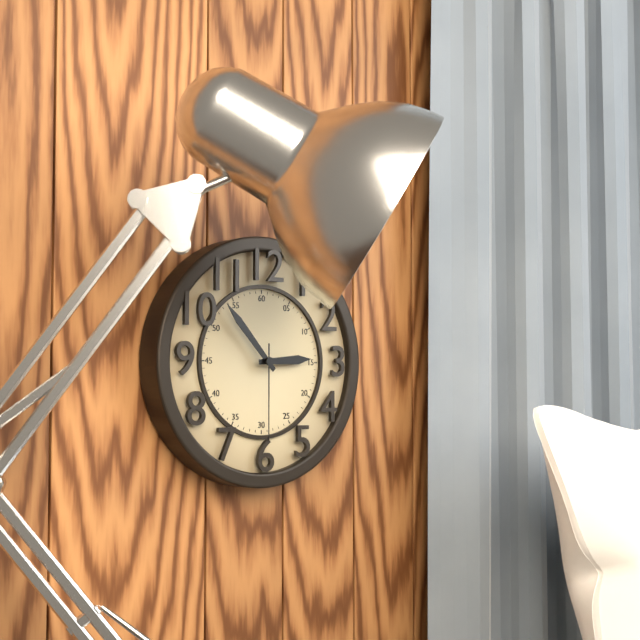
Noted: **2:53:30**
